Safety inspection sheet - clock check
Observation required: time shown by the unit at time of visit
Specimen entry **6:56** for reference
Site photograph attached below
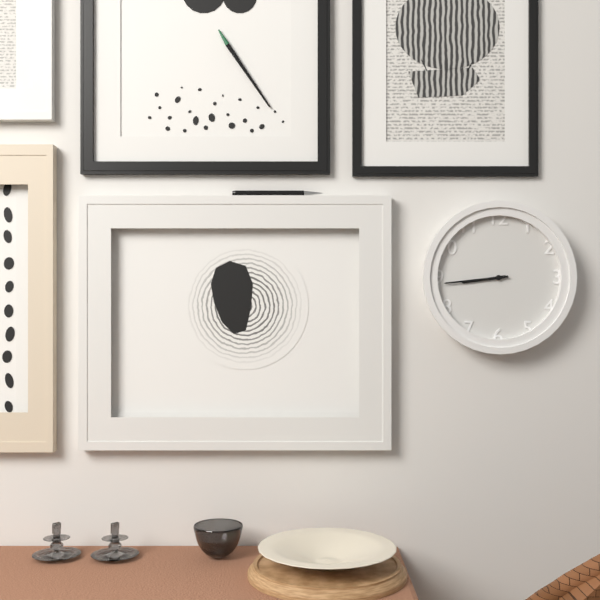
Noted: **8:44**
